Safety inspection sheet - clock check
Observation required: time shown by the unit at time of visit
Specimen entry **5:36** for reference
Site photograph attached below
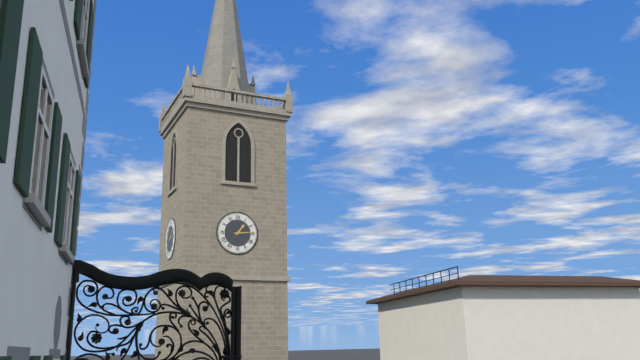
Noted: **1:14**
